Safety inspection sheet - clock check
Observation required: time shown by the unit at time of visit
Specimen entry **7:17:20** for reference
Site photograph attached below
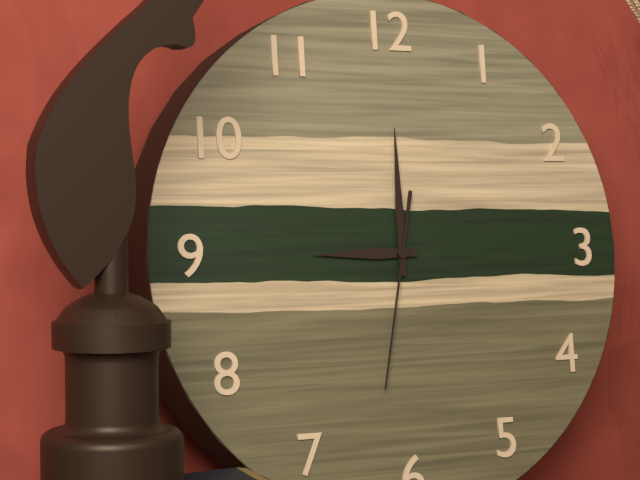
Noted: **9:00:32**
